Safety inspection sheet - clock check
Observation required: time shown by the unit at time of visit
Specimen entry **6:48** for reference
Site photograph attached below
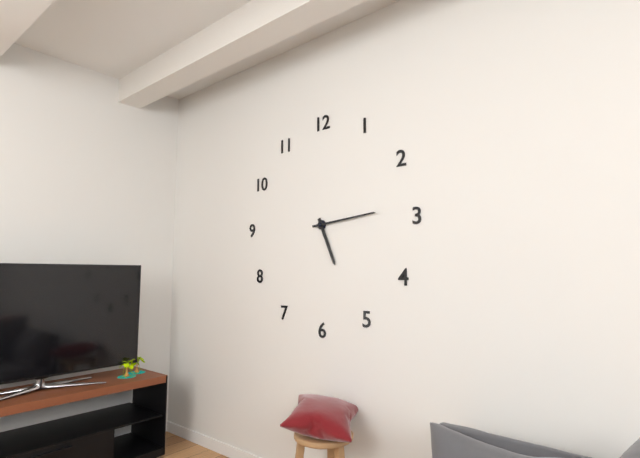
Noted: **5:14**
